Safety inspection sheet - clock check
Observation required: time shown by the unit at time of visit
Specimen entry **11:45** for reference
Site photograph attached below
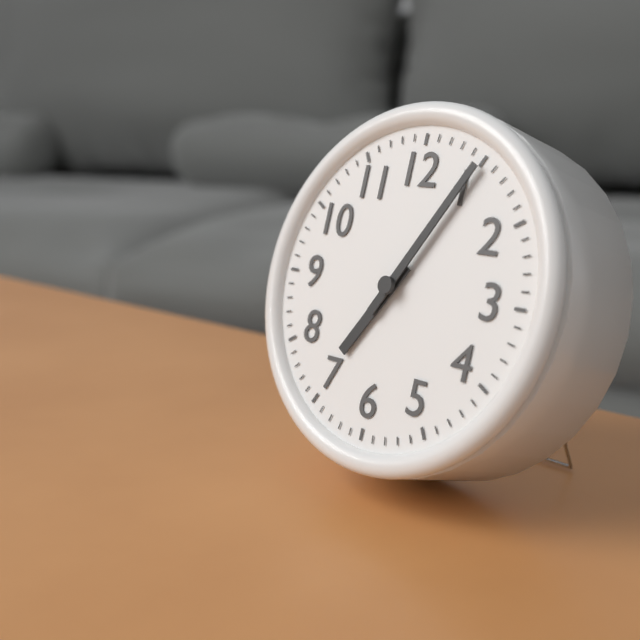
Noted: **7:05**
